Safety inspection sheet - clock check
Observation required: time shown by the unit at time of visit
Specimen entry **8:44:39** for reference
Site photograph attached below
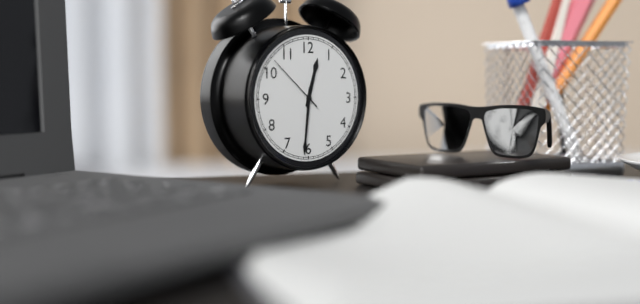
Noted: **12:31:52**
